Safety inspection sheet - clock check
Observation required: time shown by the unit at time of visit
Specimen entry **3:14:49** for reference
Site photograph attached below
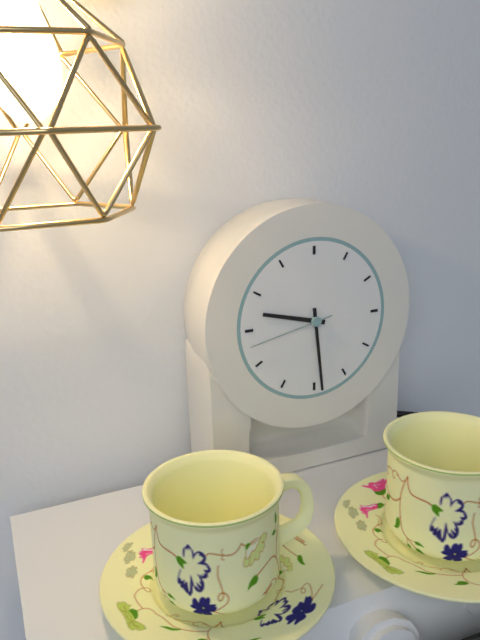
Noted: **9:29:43**
